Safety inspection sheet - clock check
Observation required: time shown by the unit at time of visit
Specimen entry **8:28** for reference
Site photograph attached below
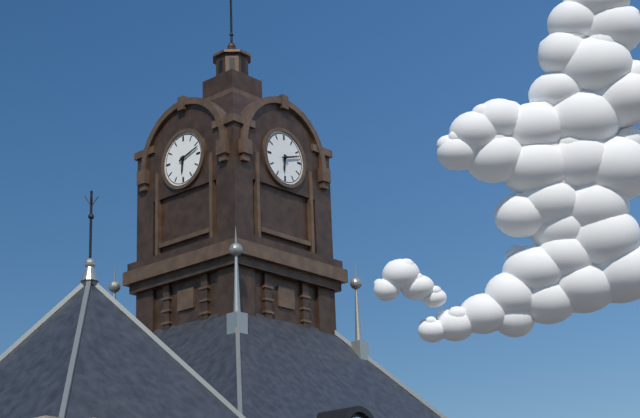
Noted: **6:12**
